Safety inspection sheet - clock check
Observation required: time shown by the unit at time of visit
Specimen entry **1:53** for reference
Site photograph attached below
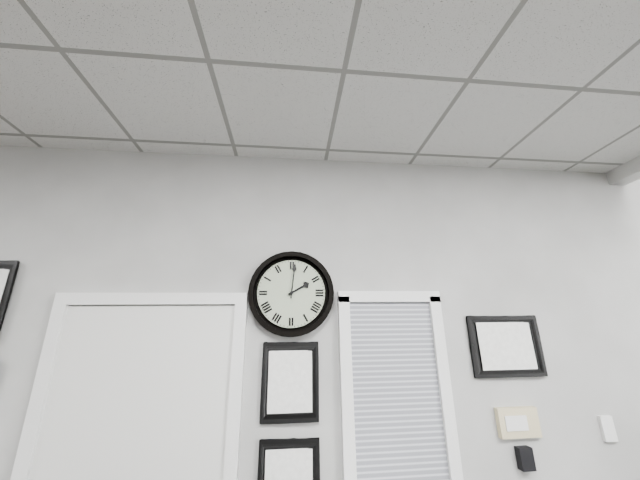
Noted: **2:01**
